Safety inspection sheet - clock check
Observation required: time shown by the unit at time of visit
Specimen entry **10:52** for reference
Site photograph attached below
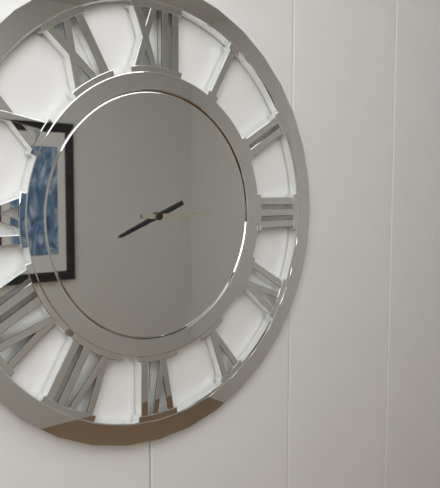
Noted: **8:15**
